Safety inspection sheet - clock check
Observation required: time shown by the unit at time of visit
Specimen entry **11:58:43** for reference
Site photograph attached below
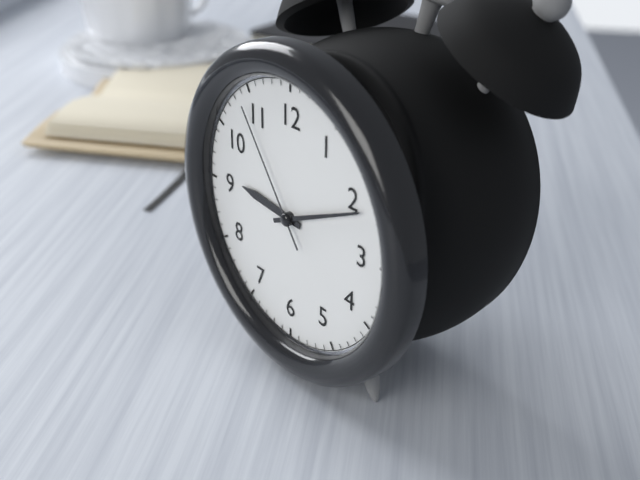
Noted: **9:11:54**
